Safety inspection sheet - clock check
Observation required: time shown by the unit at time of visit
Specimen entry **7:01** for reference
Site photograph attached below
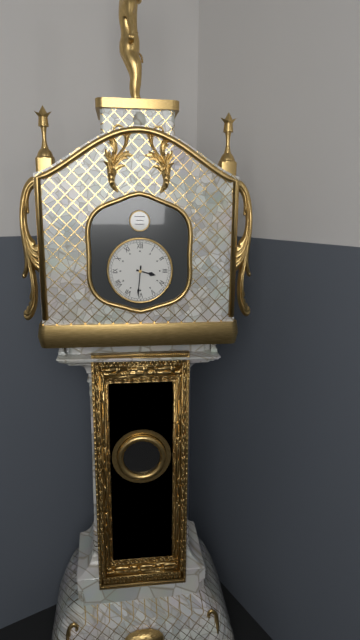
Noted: **3:31**
